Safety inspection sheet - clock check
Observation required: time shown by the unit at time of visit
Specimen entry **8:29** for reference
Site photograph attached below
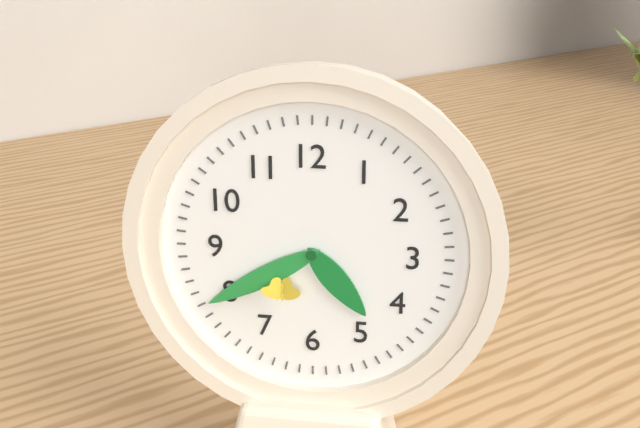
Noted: **4:40**
